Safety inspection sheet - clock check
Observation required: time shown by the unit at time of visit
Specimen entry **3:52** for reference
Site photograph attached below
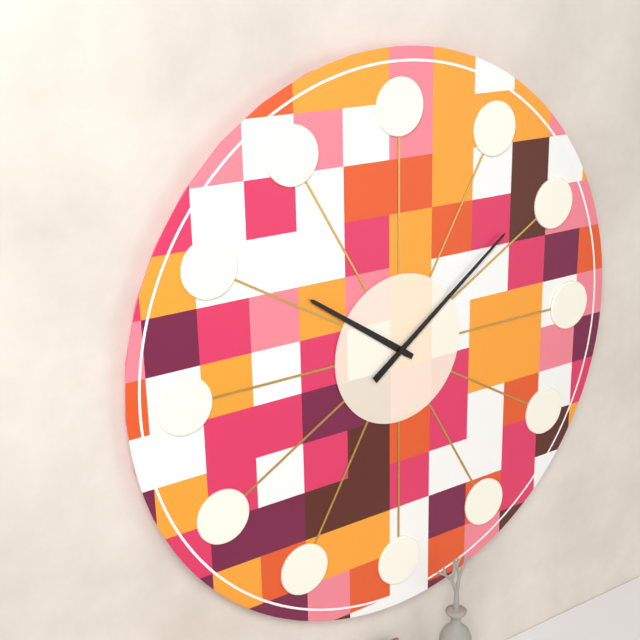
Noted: **10:09**
